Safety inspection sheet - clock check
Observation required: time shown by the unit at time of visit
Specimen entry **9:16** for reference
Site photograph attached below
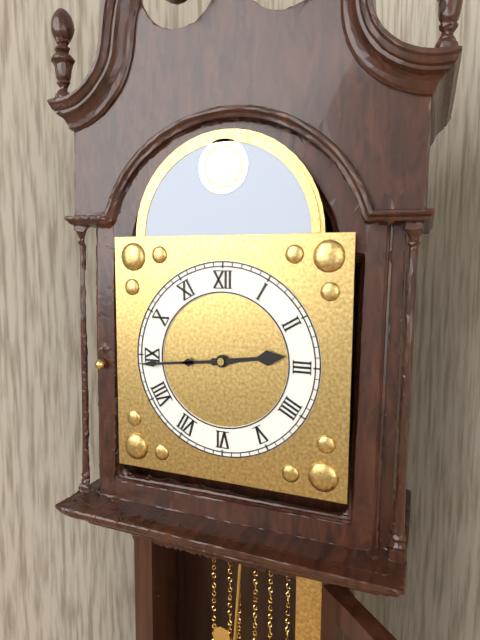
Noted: **2:44**
